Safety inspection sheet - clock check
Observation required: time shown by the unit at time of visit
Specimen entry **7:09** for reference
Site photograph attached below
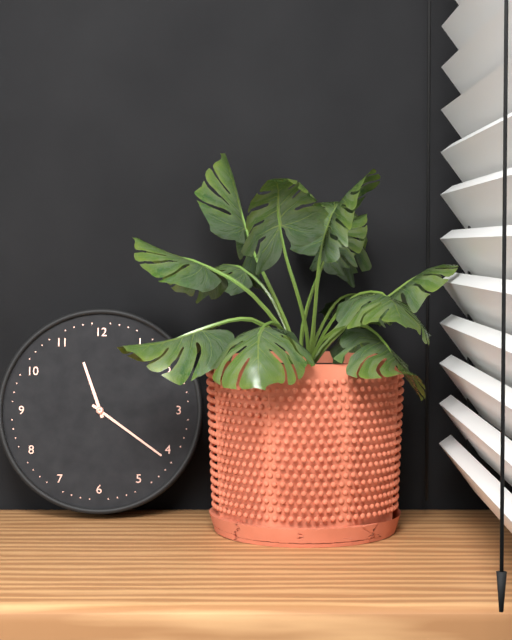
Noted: **11:21**
